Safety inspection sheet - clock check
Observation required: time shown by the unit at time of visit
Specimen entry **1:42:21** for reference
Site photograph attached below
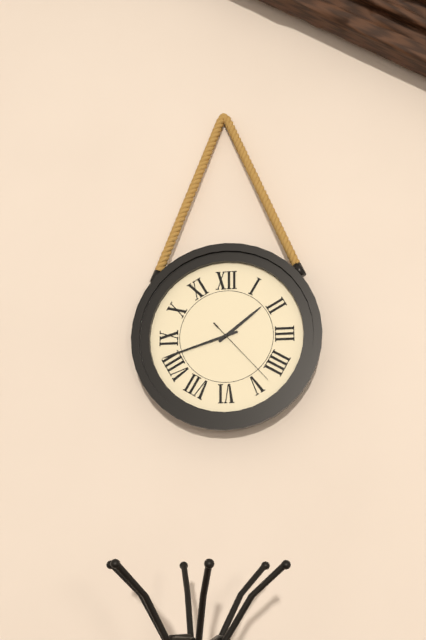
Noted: **1:42:23**
